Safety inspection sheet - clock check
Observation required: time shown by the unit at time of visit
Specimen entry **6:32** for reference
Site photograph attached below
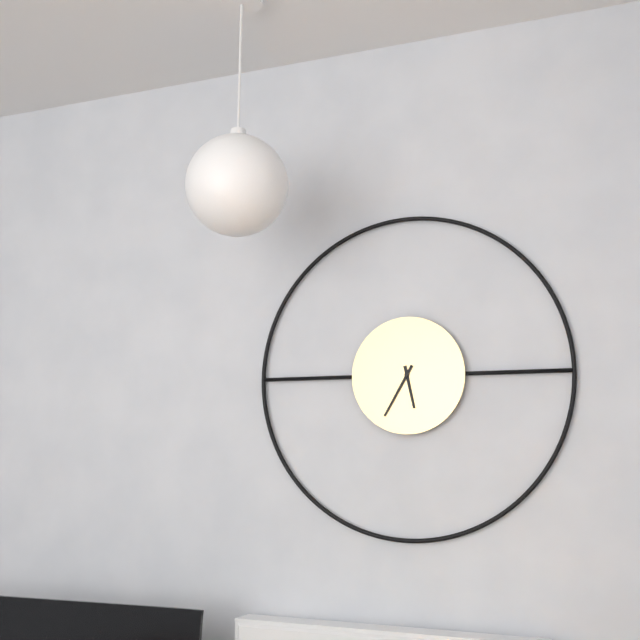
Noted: **5:35**
